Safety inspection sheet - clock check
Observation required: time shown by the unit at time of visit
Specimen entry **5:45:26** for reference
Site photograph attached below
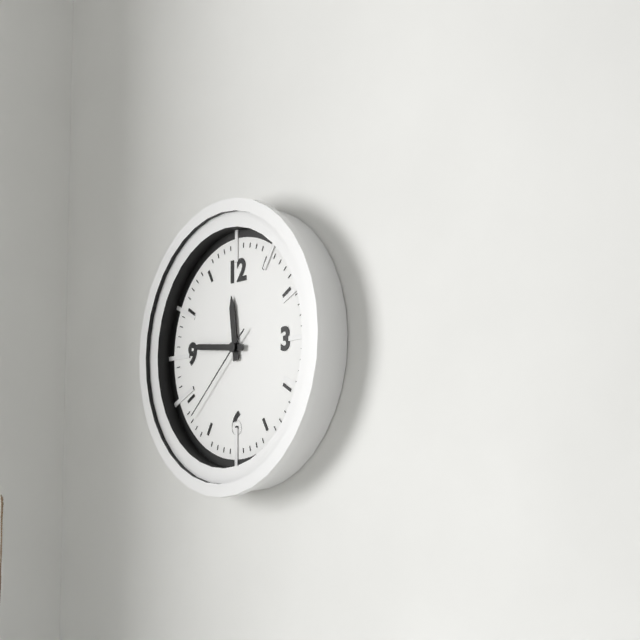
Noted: **11:46:38**
